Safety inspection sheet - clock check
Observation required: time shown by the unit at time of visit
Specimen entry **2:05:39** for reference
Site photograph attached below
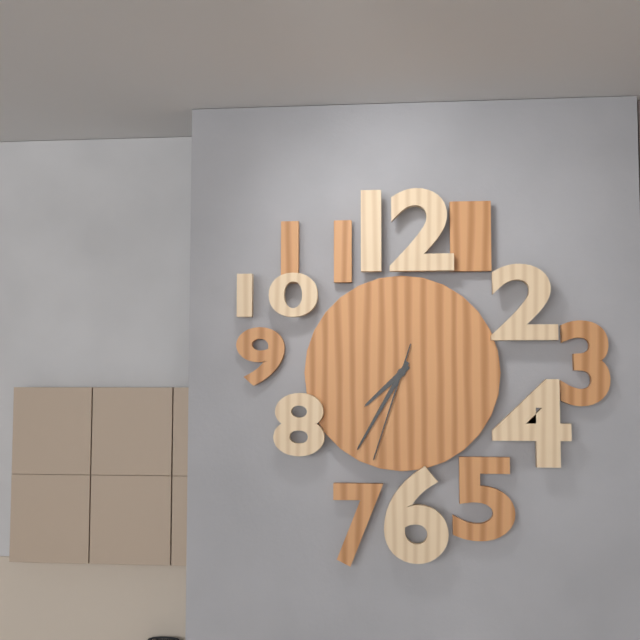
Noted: **7:35:33**
